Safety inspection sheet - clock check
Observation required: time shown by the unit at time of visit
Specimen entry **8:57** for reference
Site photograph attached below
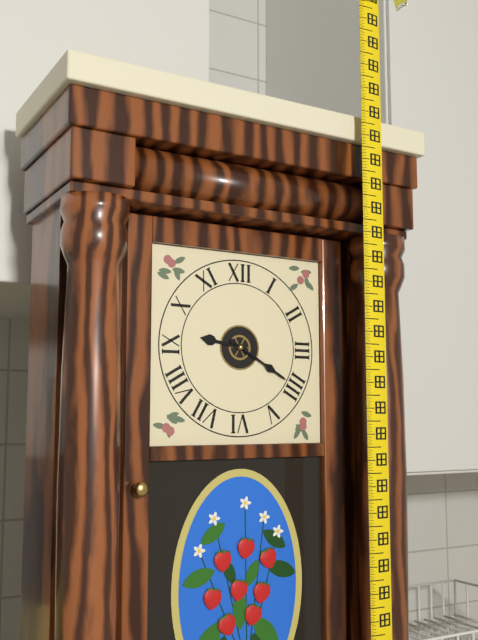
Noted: **9:20**
